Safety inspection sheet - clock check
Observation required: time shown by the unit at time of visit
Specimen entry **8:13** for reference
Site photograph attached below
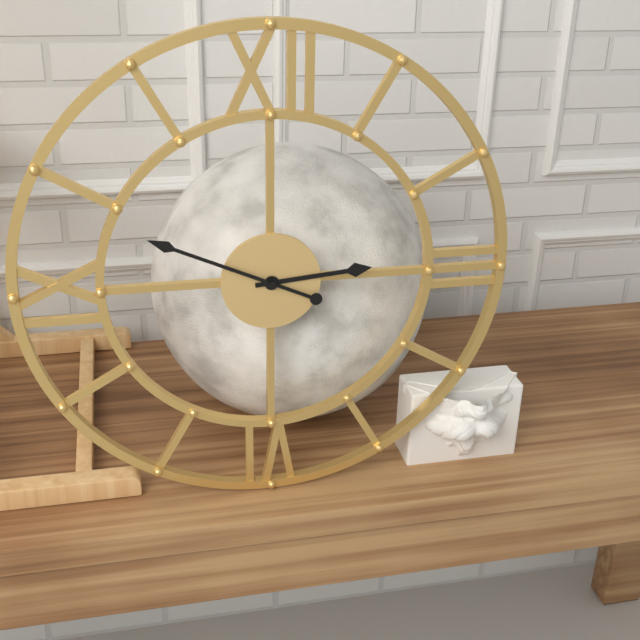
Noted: **2:49**
